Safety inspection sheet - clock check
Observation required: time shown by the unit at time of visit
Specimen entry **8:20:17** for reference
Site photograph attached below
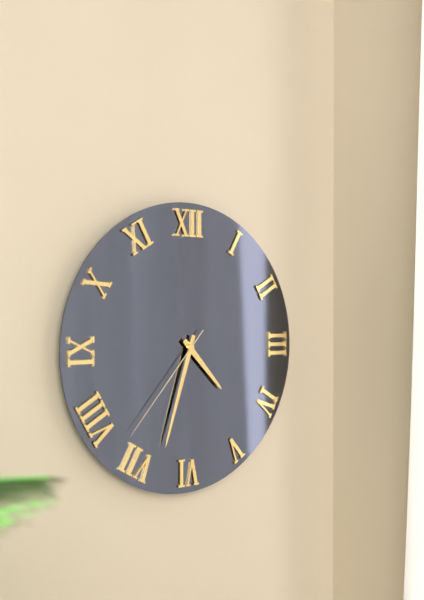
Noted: **4:33:37**
